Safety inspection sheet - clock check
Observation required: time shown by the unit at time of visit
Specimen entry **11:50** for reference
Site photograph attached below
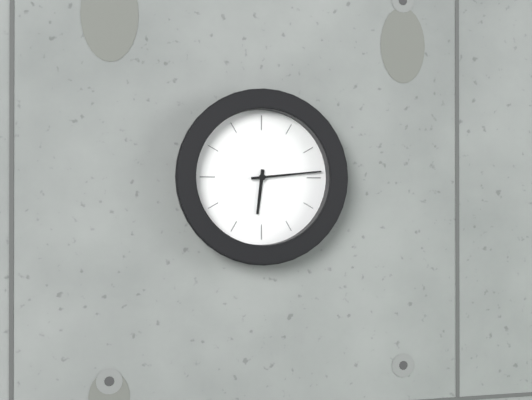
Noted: **6:14**
